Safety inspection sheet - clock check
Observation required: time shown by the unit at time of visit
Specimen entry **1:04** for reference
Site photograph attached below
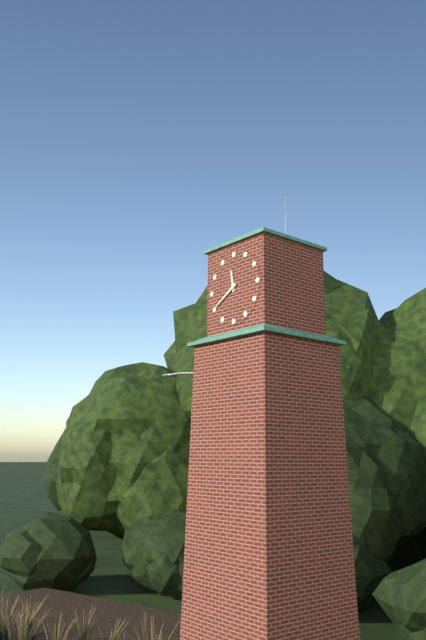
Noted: **11:40**
